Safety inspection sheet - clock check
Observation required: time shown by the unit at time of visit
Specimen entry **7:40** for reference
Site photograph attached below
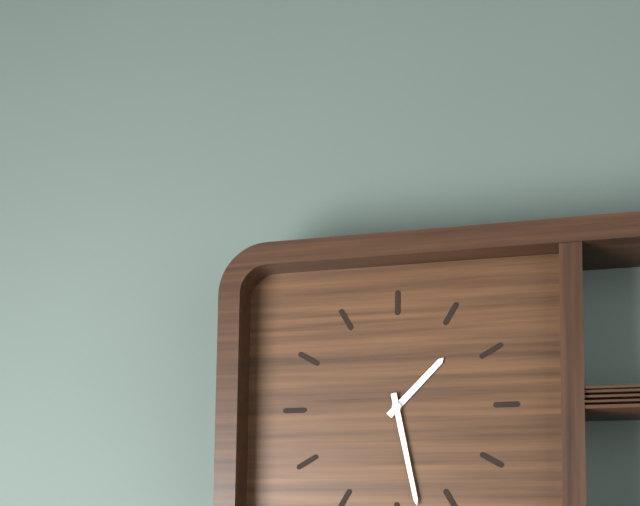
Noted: **1:28**
